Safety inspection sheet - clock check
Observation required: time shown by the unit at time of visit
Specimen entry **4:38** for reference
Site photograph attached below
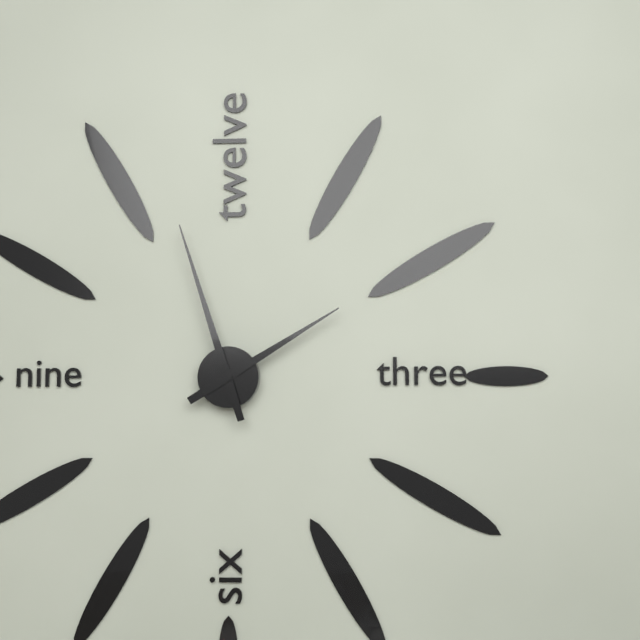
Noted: **1:57**
